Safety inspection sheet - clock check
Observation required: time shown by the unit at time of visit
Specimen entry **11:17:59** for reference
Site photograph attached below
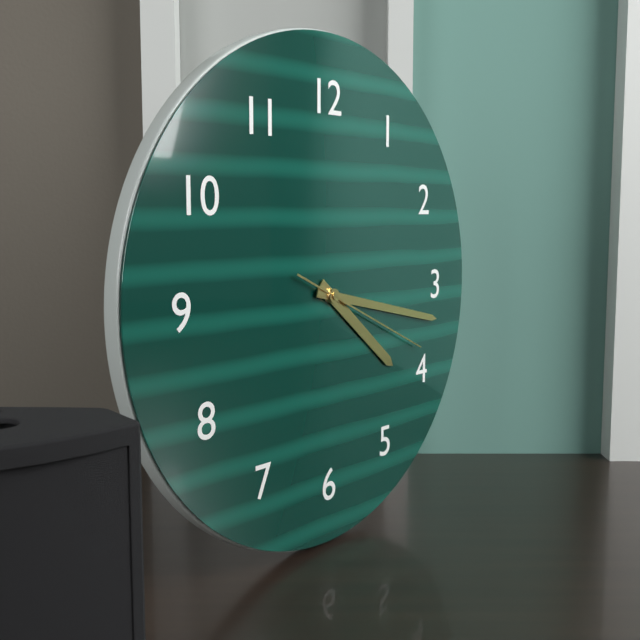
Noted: **4:17:19**
